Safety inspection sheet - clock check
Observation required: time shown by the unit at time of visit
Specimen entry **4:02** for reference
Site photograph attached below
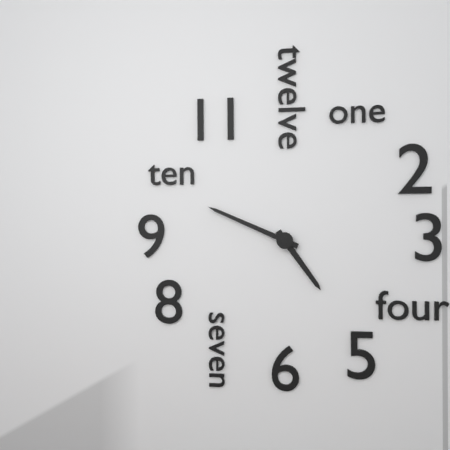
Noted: **4:49**
